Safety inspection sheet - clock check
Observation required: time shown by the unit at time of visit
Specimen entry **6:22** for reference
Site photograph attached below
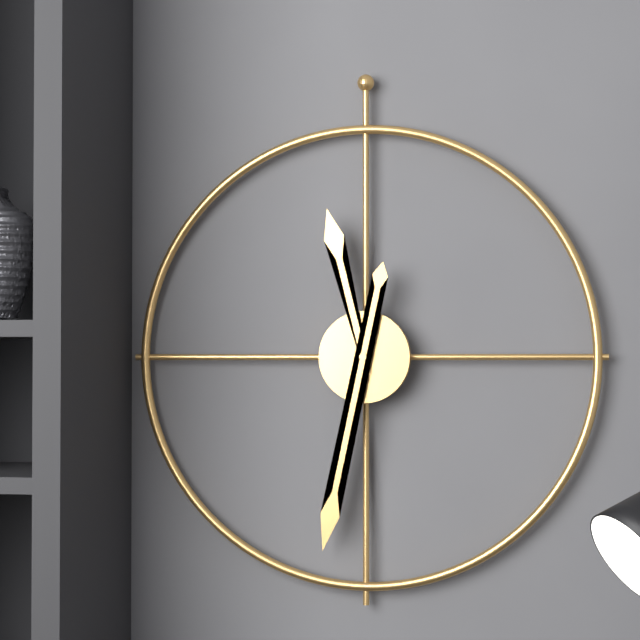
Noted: **11:32**
